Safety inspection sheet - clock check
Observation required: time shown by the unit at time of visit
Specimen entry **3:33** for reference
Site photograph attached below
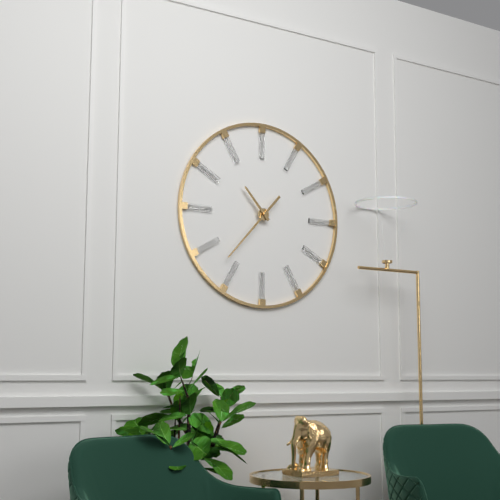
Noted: **10:37**
